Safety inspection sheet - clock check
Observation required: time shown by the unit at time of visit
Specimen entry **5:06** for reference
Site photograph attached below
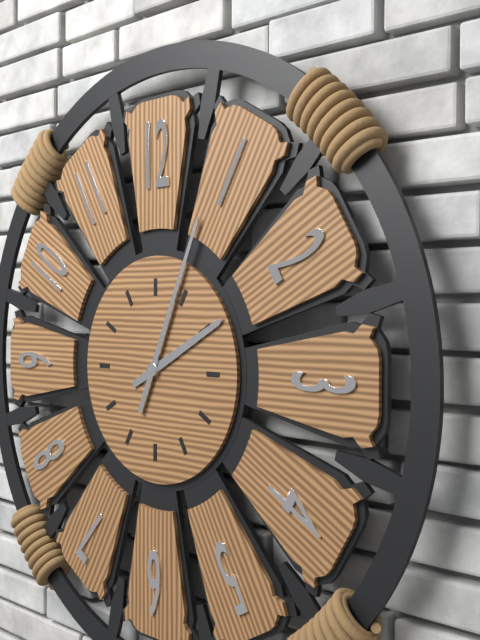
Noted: **2:04**
